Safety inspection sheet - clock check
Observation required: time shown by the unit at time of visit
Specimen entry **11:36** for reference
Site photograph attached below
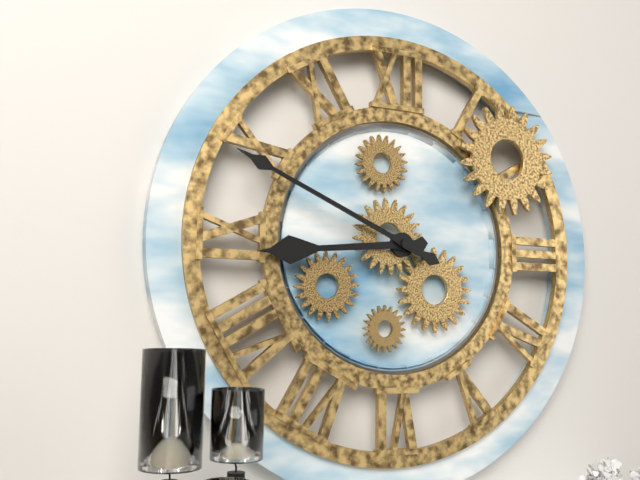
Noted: **8:49**
